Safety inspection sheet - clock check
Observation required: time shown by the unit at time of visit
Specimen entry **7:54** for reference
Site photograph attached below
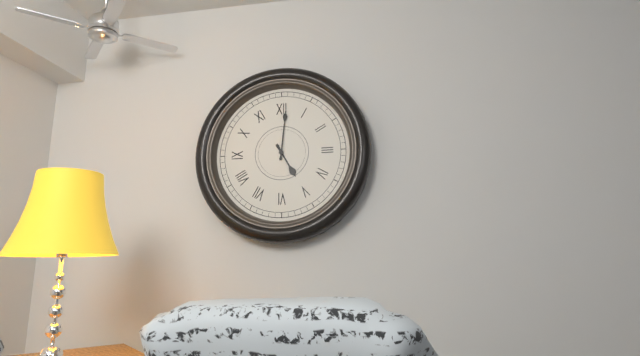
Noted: **5:01**
